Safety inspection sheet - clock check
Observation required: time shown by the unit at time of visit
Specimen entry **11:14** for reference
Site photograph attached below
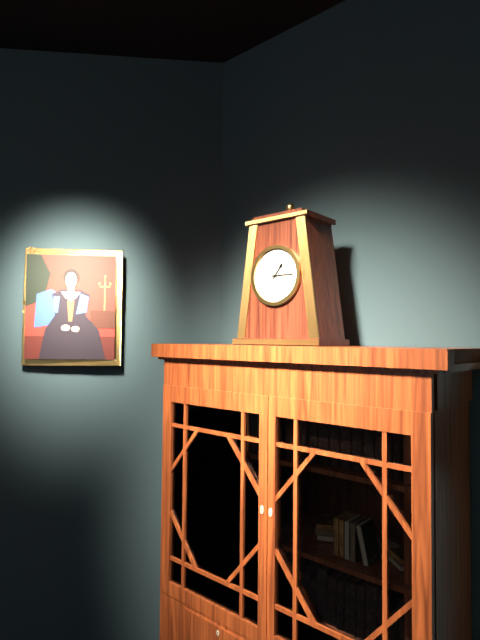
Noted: **1:15**
